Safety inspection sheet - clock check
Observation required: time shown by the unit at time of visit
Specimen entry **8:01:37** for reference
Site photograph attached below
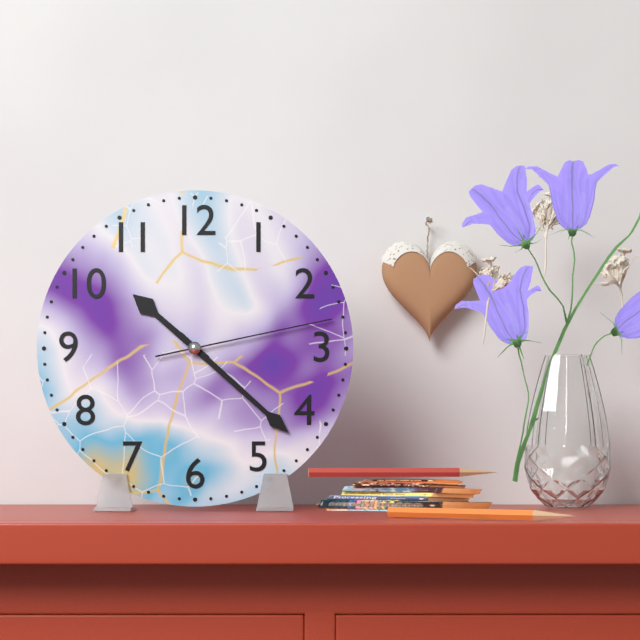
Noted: **10:22:13**
